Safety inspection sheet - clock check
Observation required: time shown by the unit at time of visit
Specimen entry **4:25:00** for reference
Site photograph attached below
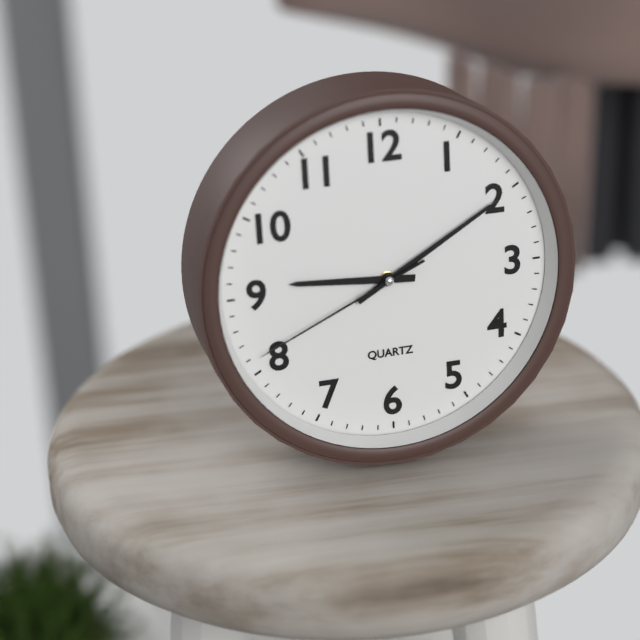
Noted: **9:10:41**
